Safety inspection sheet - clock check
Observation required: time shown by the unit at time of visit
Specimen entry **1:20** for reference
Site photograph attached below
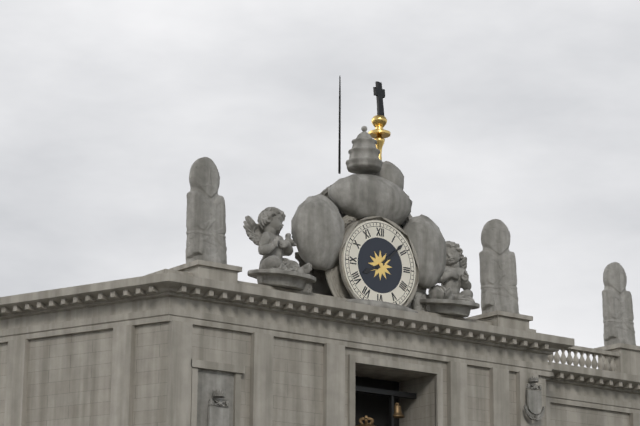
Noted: **8:08**
